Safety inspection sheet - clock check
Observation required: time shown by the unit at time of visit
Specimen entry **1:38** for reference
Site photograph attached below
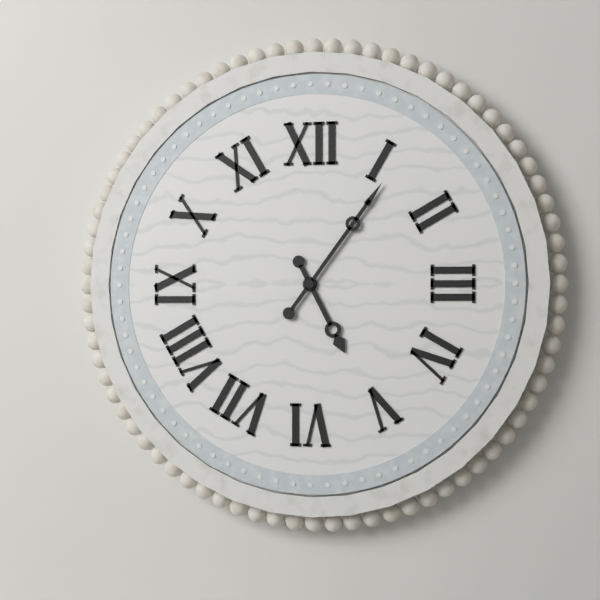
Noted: **5:06**
